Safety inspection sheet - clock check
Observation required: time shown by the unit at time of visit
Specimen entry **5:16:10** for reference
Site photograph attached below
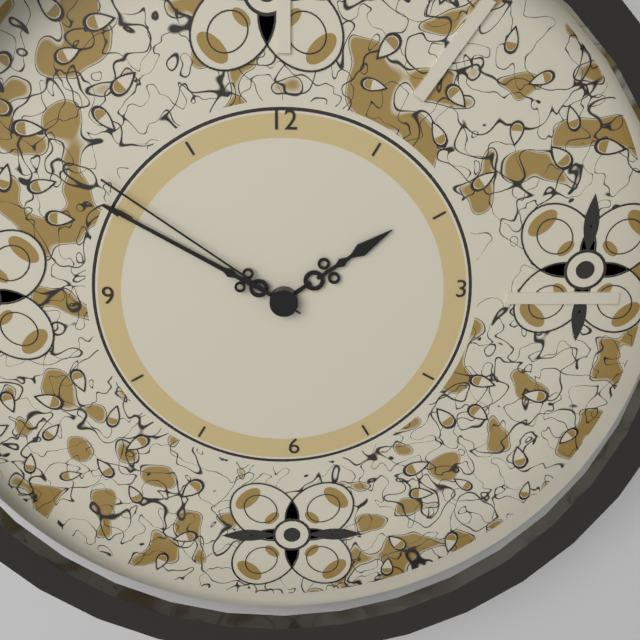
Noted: **1:50:51**
